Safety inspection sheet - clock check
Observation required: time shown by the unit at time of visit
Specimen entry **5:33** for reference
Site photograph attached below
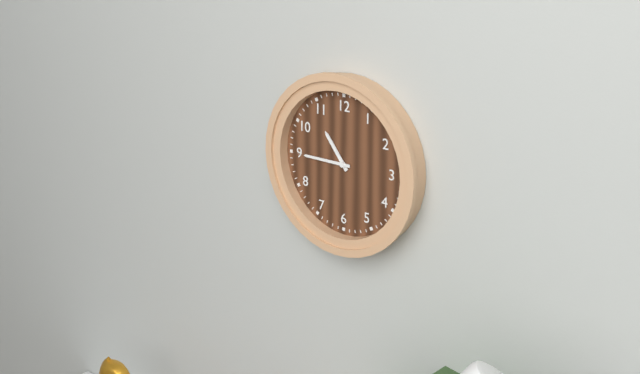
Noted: **10:45**
